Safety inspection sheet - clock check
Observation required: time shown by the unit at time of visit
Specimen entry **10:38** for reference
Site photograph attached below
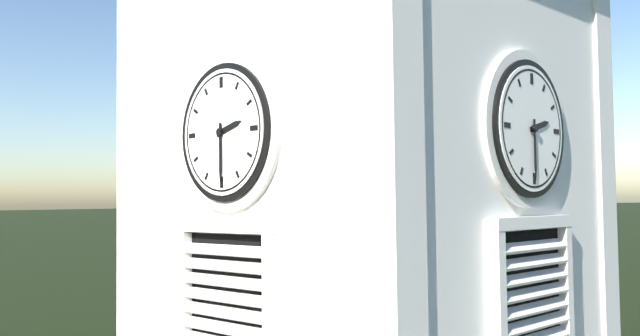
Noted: **2:30**
